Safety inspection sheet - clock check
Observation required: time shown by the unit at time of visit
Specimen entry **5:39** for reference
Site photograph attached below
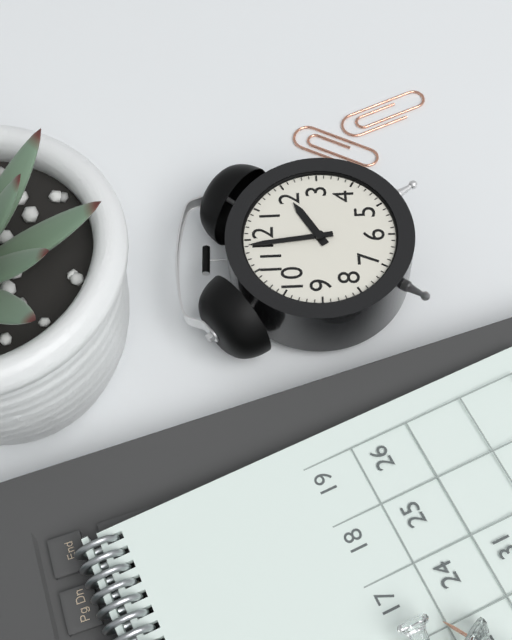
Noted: **1:59**
